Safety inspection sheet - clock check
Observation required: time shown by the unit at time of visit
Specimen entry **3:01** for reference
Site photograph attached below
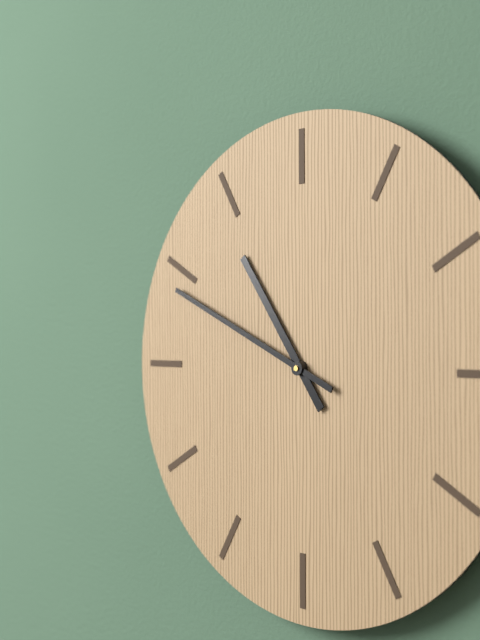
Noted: **10:49**
